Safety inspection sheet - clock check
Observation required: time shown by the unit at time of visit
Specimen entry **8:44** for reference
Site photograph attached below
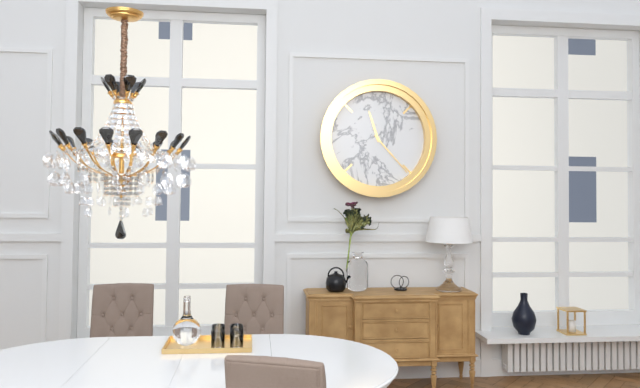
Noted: **11:23**
